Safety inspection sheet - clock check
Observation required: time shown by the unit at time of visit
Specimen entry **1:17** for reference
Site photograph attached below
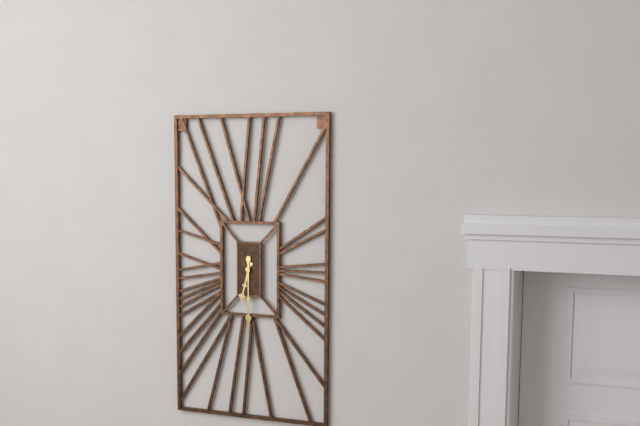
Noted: **6:30**
